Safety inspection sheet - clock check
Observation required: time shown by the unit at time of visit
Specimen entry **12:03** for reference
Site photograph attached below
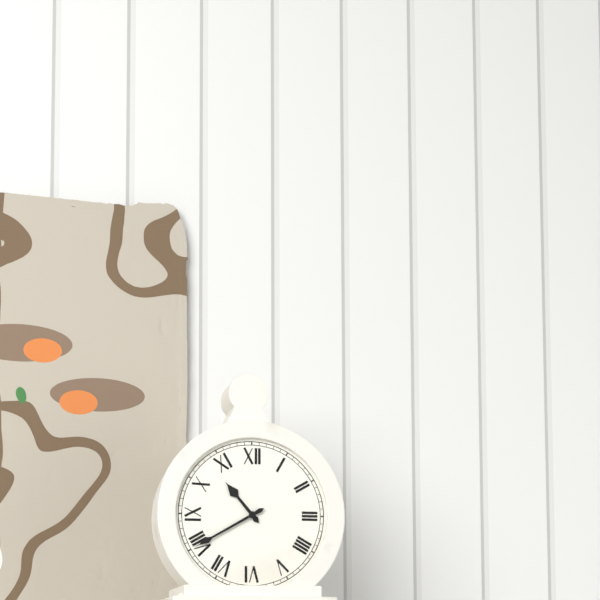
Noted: **10:40**
